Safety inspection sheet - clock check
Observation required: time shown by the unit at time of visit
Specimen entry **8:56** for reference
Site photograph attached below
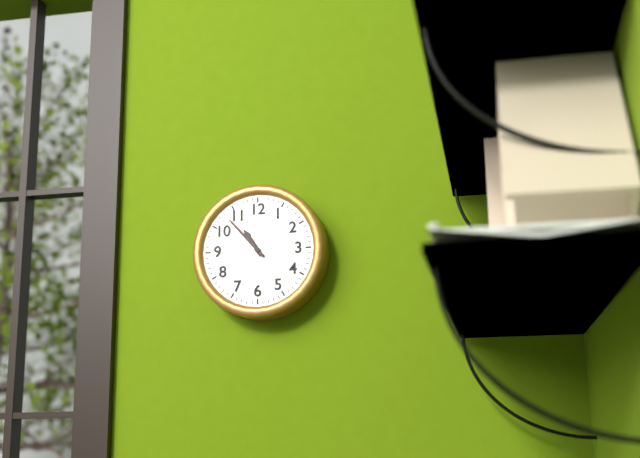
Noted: **10:53**
